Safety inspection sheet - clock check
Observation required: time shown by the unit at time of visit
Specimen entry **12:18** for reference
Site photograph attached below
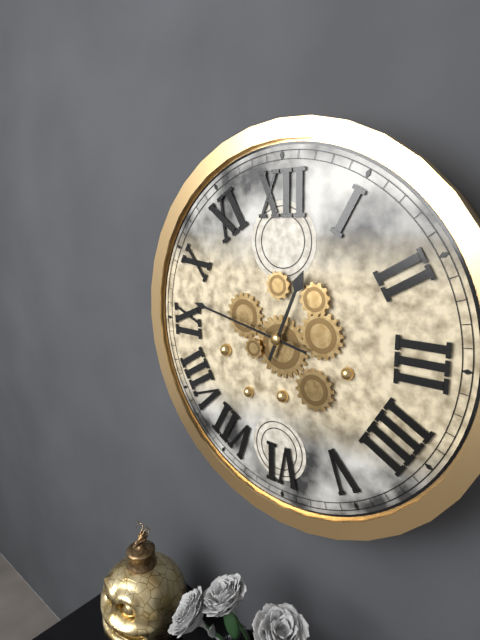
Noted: **12:47**
